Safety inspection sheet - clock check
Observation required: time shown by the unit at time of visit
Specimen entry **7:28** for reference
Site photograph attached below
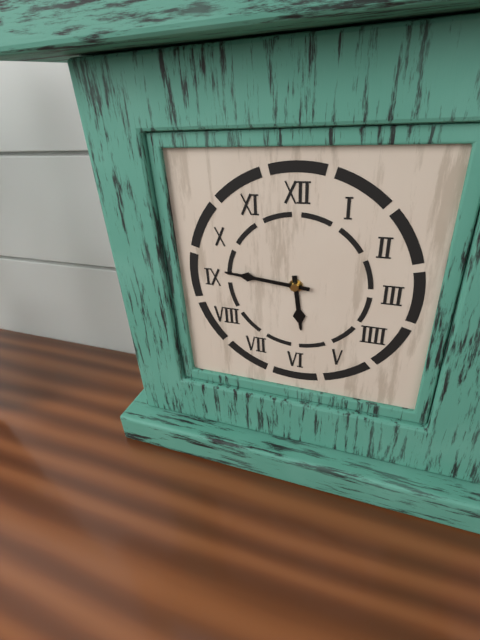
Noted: **5:46**
